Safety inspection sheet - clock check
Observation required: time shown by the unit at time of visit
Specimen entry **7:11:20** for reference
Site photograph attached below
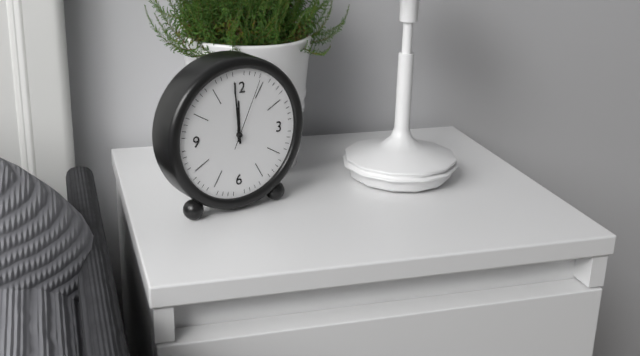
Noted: **11:59:04**
